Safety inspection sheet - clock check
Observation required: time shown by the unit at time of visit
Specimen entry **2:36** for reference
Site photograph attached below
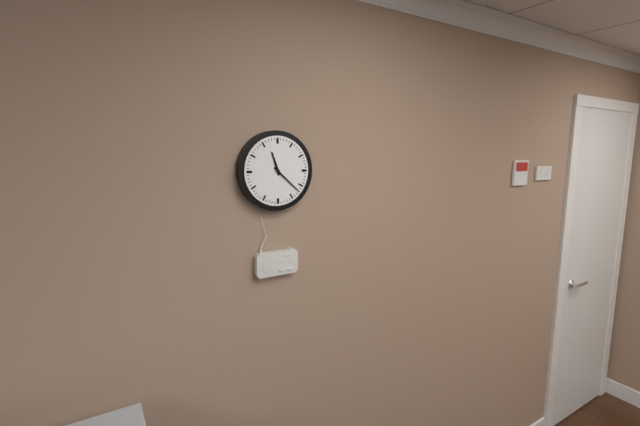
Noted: **11:22**
